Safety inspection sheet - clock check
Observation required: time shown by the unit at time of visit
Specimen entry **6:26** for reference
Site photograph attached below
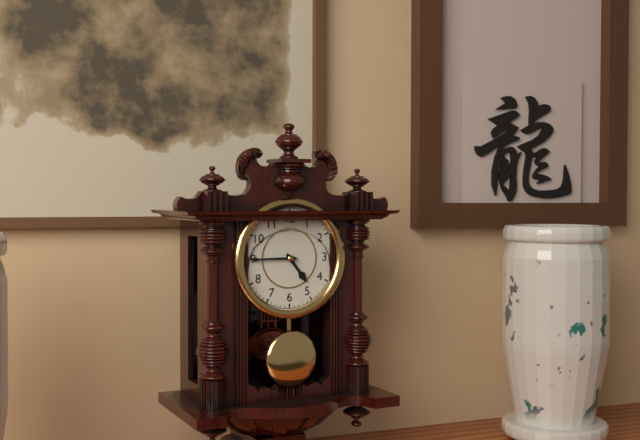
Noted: **4:45**
